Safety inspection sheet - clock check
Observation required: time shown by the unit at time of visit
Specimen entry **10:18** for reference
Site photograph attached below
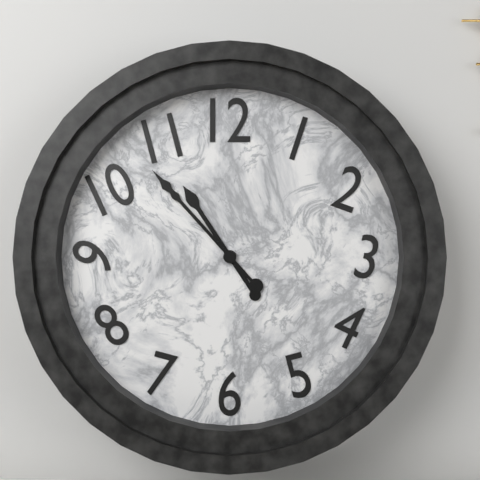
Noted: **10:53**
